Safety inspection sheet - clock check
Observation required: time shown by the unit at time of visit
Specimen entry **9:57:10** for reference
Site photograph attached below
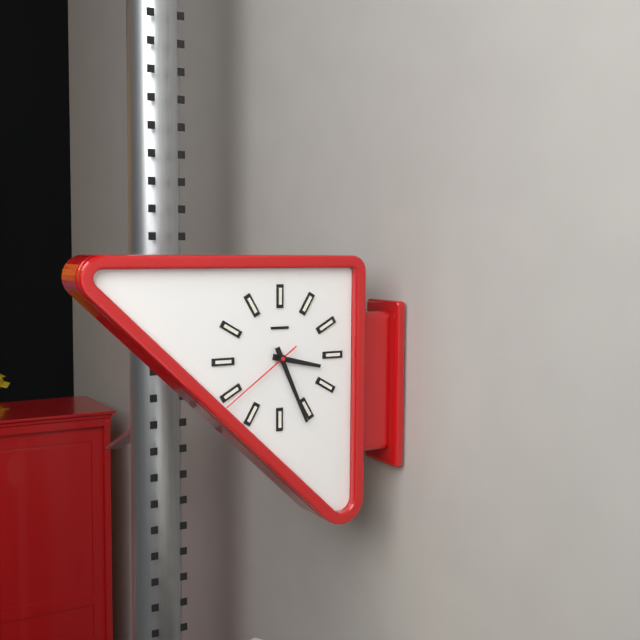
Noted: **3:26:39**
